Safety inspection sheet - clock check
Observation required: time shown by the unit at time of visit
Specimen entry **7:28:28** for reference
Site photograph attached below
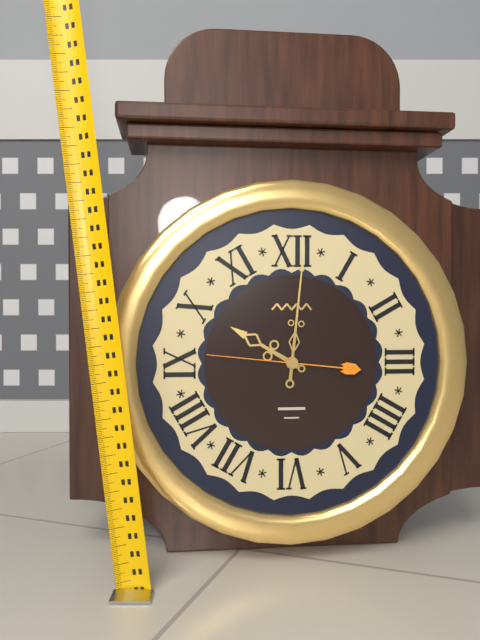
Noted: **10:01:46**
